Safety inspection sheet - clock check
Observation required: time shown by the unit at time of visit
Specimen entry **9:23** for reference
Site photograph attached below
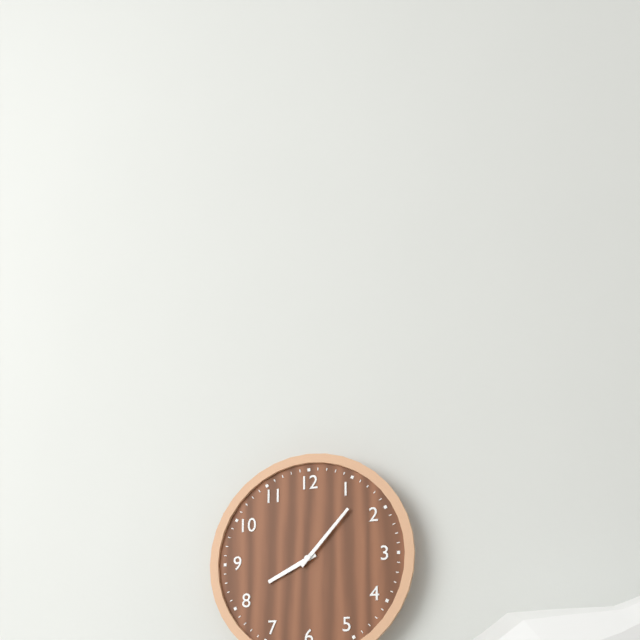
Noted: **8:07**
